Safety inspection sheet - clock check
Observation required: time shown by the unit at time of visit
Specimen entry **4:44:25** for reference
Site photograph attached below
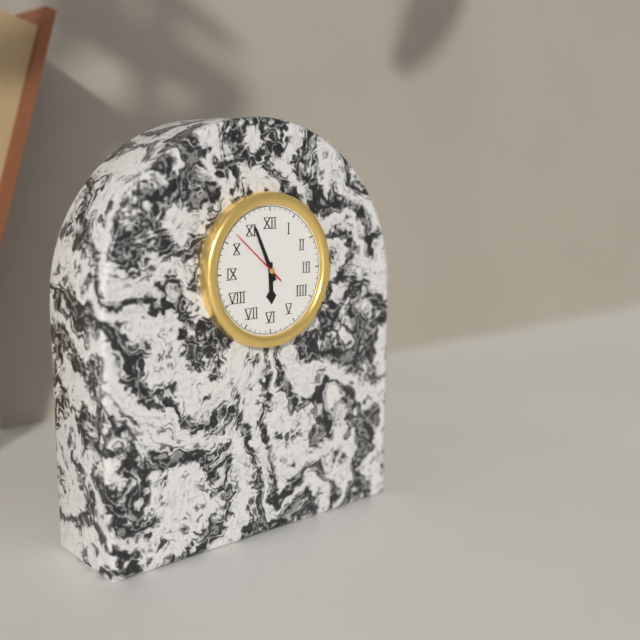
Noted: **5:56:52**
